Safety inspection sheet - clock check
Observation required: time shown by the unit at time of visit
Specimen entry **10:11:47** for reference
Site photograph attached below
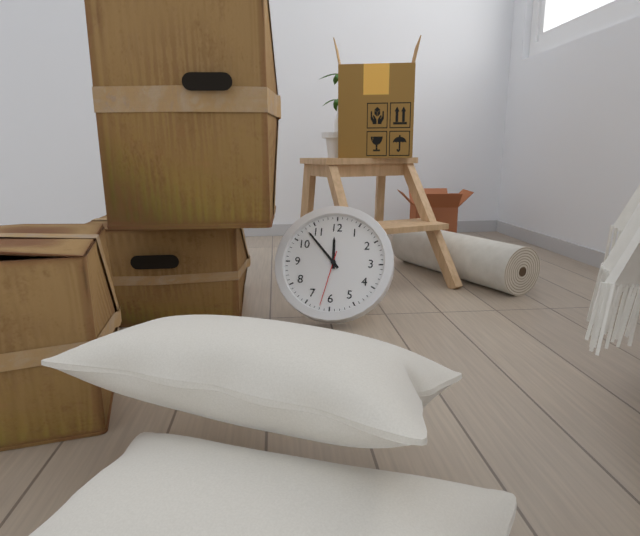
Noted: **11:53:32**
